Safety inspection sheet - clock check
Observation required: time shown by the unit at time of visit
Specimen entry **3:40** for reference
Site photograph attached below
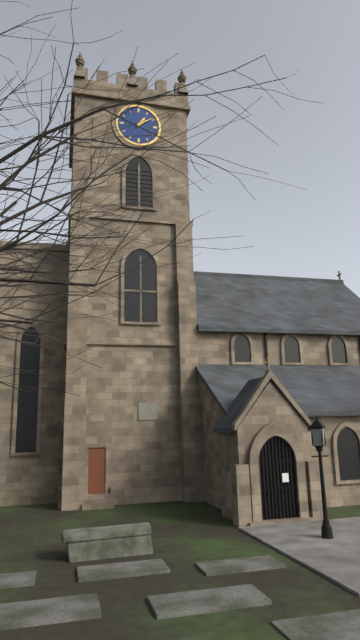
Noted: **1:09**
